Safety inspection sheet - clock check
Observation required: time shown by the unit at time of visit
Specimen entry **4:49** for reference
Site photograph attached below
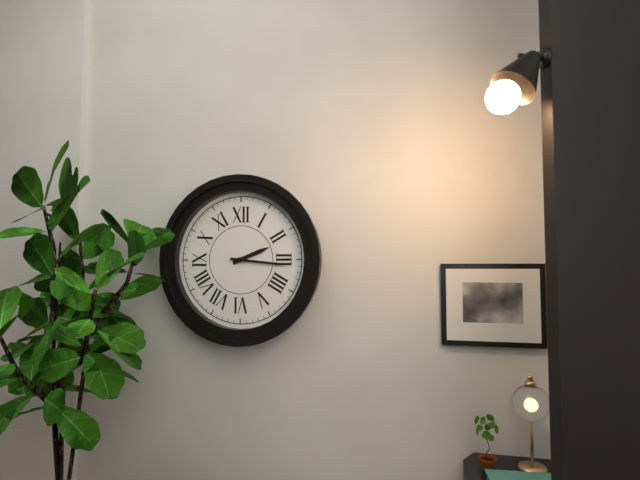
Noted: **2:16**
